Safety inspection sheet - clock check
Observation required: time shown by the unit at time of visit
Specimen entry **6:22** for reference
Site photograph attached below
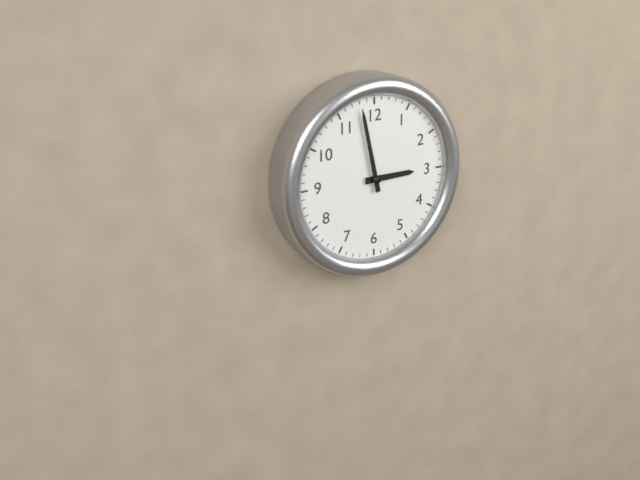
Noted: **2:58**
